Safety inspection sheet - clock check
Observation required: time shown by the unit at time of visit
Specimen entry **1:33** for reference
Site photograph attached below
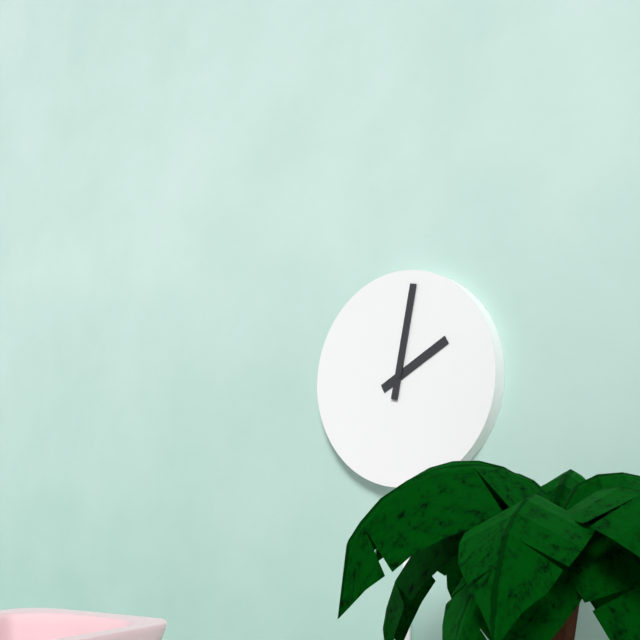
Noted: **2:02**
